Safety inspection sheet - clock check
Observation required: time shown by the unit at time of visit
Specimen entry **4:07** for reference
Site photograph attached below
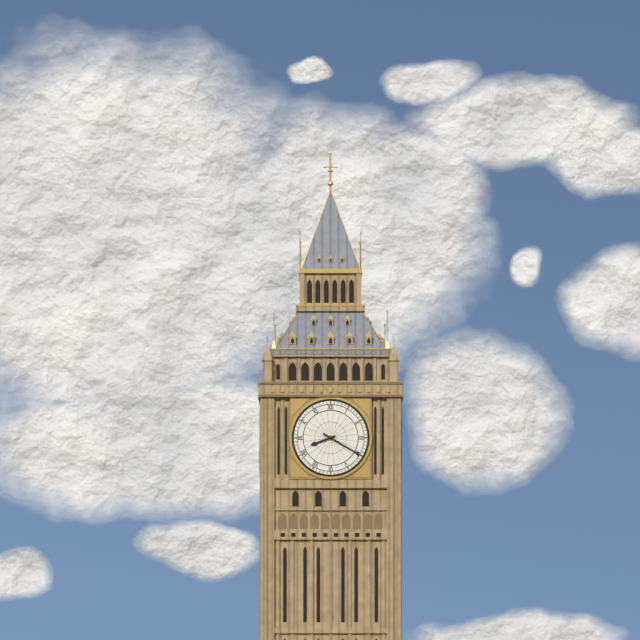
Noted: **8:20**
